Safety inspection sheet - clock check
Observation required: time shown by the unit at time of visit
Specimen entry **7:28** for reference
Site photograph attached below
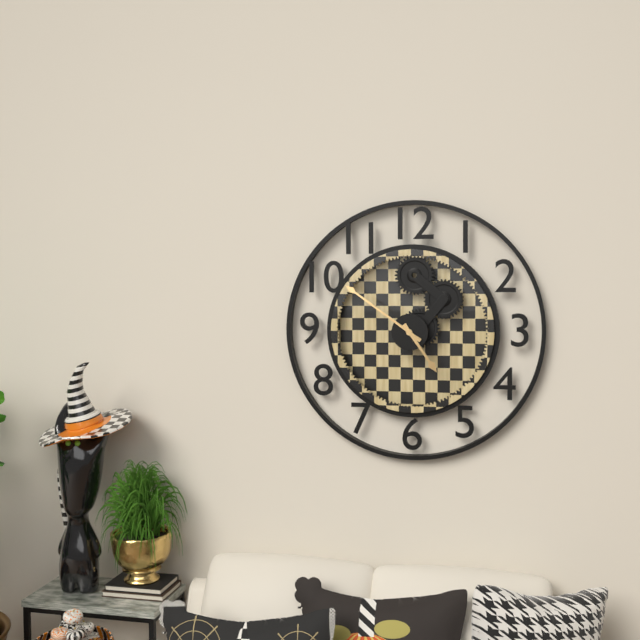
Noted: **4:51**
